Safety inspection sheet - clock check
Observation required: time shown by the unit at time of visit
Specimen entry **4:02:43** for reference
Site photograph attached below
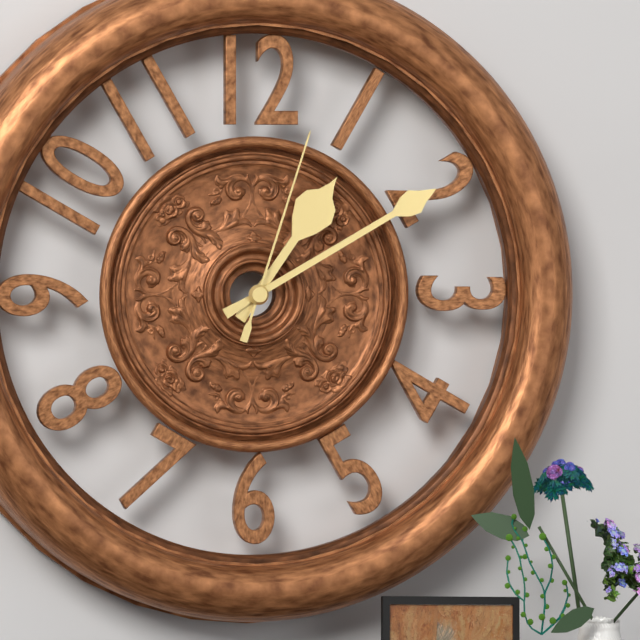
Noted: **1:10:03**
